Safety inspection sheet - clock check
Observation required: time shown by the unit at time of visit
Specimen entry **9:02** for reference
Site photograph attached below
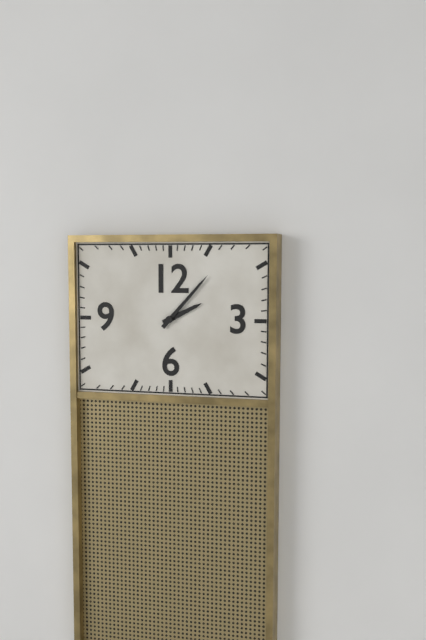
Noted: **2:07**
